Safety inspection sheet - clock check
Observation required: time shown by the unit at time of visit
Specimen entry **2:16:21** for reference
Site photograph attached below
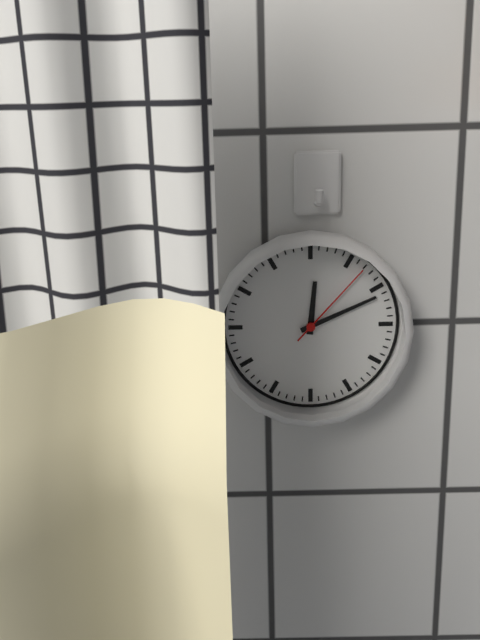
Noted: **12:11:07**
